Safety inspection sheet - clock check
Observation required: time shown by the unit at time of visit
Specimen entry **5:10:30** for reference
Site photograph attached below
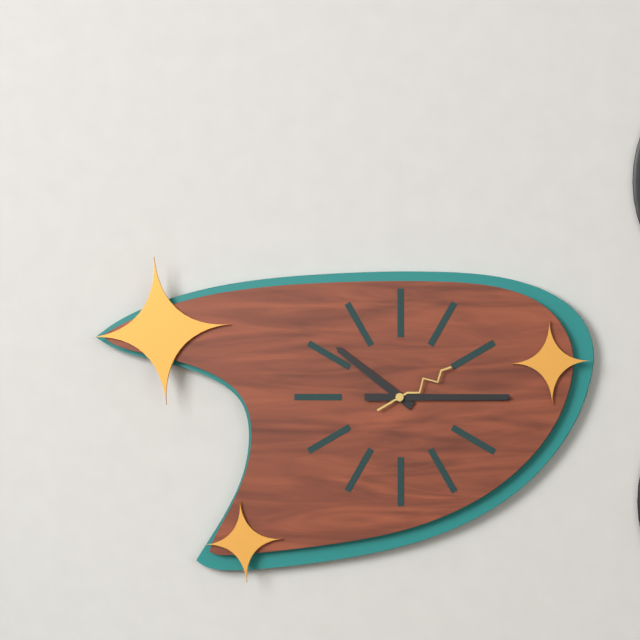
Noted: **10:15:10**
